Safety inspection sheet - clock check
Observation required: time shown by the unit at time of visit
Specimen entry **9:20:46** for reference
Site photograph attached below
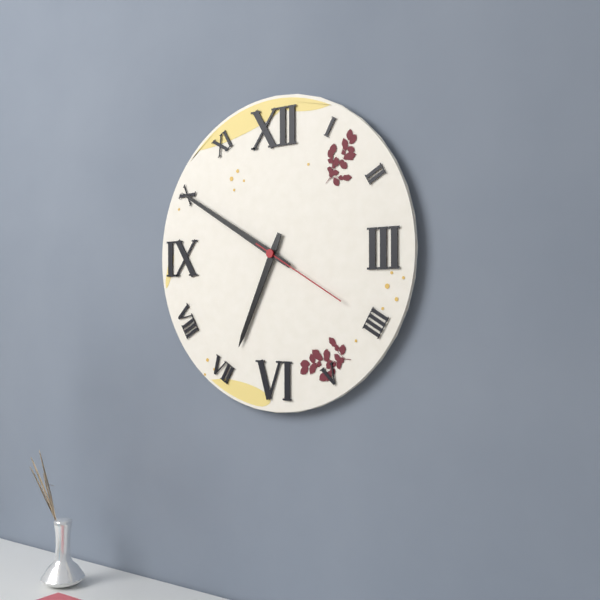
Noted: **6:50:20**
